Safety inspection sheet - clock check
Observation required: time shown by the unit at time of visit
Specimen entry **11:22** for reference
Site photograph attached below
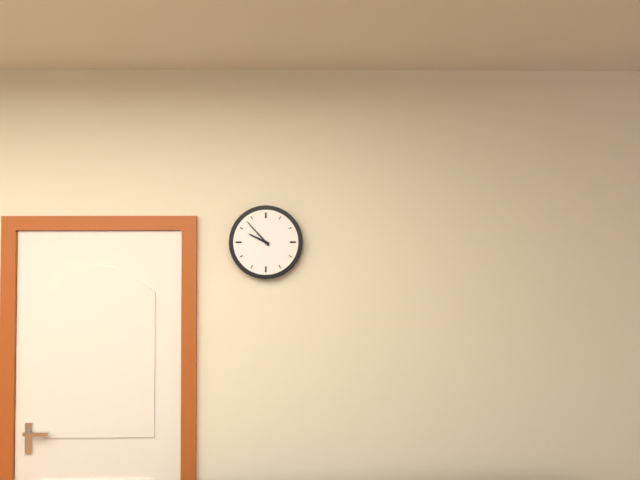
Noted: **9:53**
